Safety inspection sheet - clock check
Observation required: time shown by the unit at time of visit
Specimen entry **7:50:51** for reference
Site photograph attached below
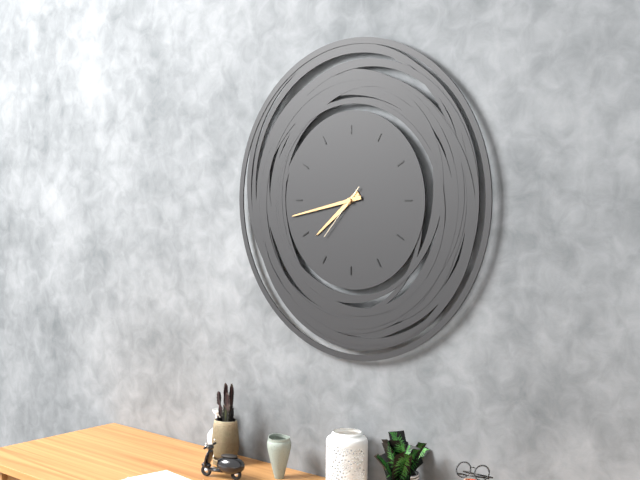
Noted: **7:43:37**
